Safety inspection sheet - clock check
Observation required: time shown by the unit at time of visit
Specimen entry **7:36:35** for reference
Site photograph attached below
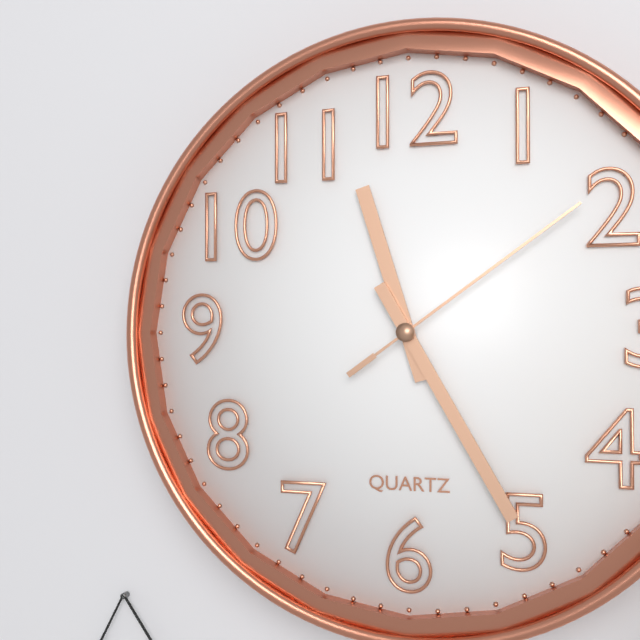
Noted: **11:25:09**
